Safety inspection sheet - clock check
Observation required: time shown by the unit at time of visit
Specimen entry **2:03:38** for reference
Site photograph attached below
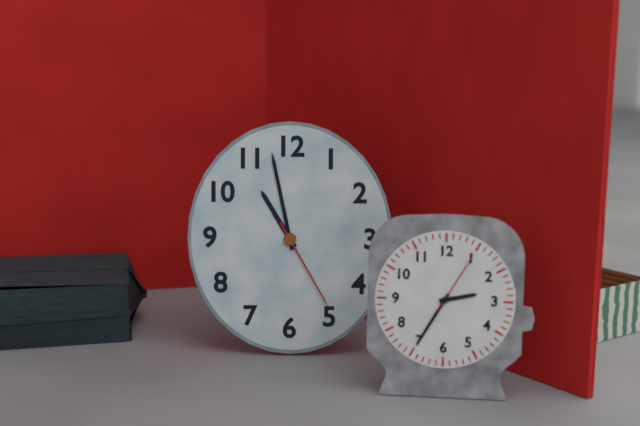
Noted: **10:58:25**
